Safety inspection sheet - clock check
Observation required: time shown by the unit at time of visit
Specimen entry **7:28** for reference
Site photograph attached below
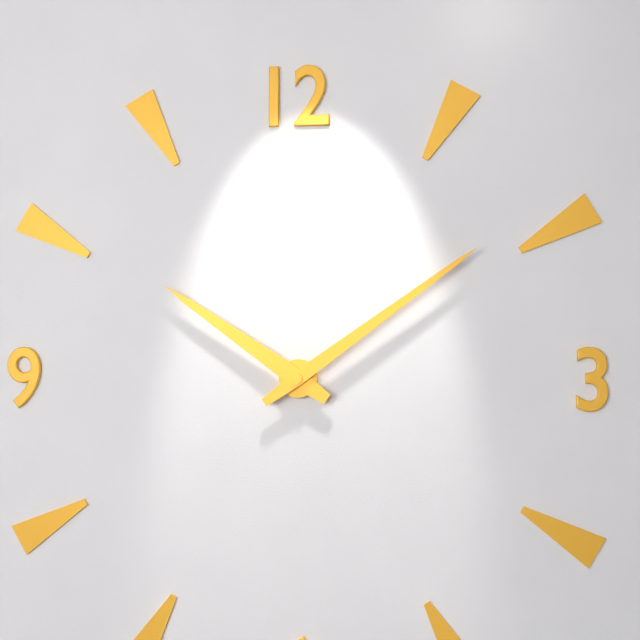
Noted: **10:09**
